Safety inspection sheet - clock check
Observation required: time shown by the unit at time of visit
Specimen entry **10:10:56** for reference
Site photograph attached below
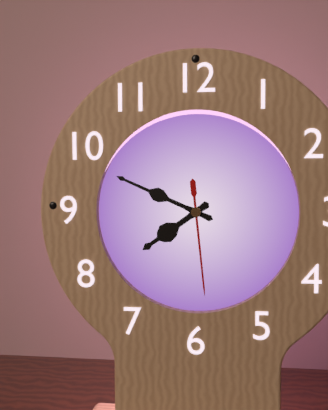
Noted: **7:49:29**
